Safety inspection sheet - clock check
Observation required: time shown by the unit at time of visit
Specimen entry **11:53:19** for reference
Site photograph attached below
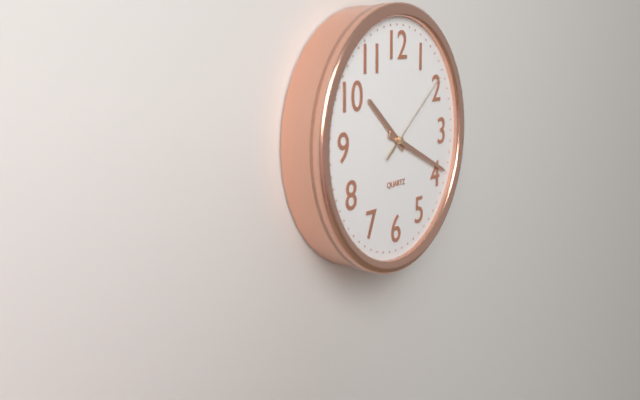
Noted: **10:19:09**
